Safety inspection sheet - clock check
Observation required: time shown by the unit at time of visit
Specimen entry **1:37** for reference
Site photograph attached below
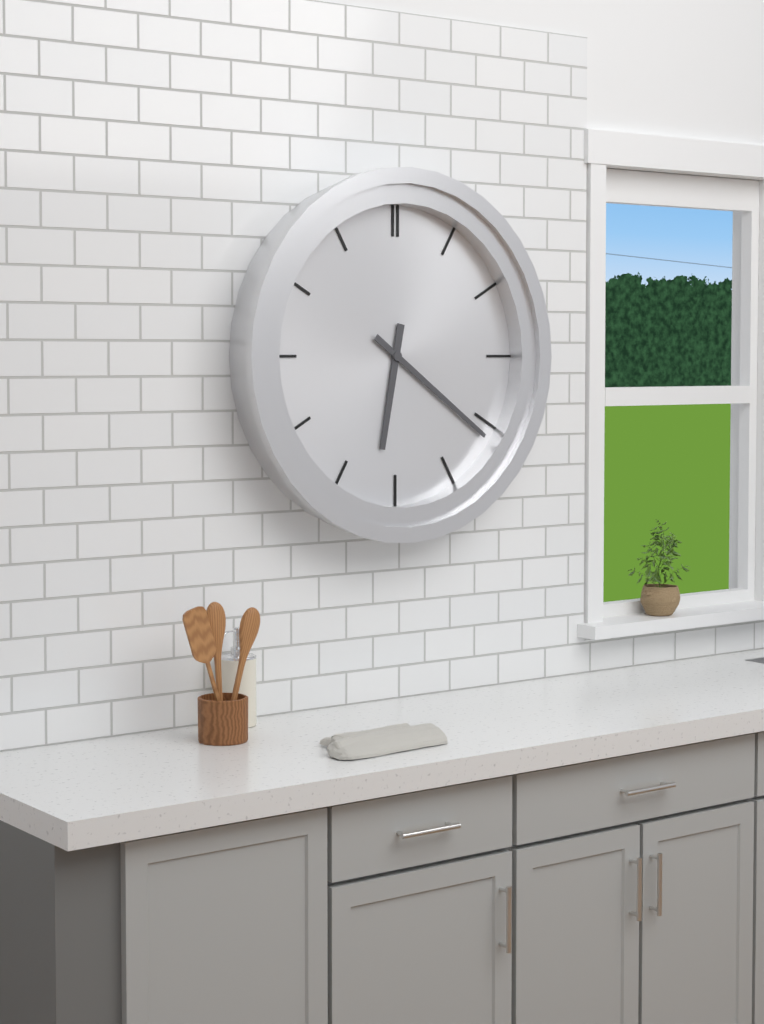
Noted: **6:21**
